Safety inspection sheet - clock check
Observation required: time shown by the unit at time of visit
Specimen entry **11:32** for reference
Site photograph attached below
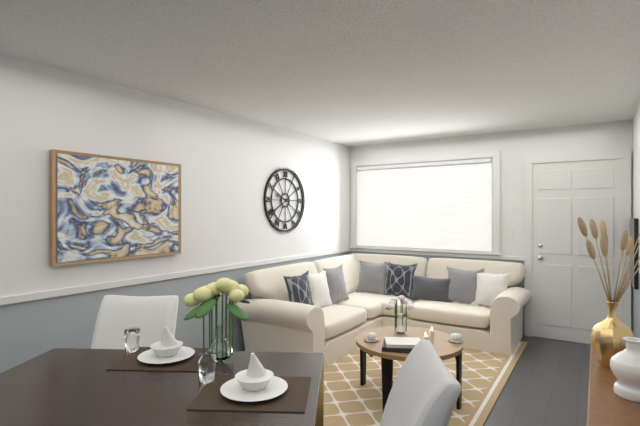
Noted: **9:40**
